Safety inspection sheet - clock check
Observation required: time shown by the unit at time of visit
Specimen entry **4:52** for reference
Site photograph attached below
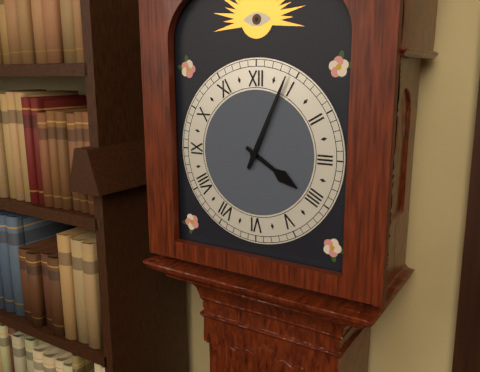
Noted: **4:04**
